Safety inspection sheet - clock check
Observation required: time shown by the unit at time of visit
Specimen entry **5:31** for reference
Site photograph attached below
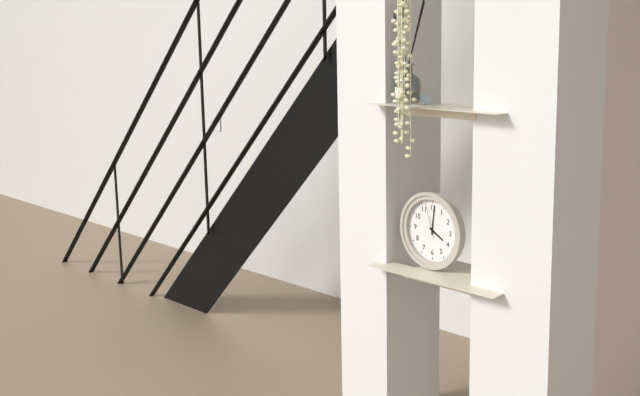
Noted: **4:01**
